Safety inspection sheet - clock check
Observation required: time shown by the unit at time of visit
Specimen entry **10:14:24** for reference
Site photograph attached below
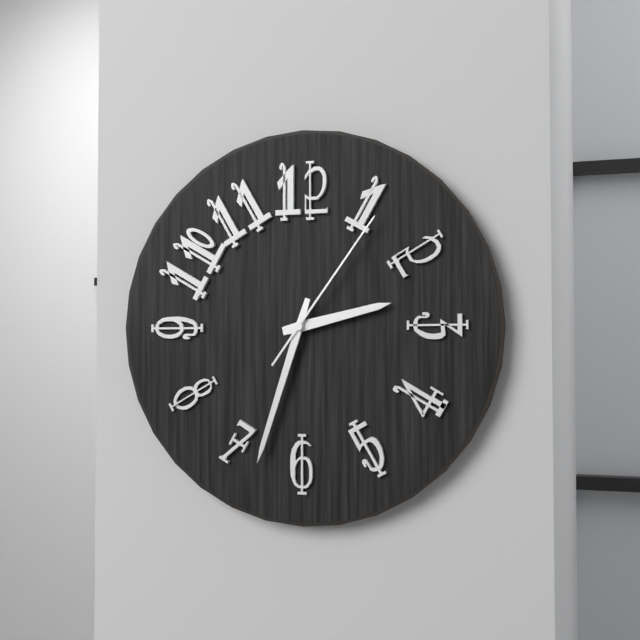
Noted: **2:33:06**
